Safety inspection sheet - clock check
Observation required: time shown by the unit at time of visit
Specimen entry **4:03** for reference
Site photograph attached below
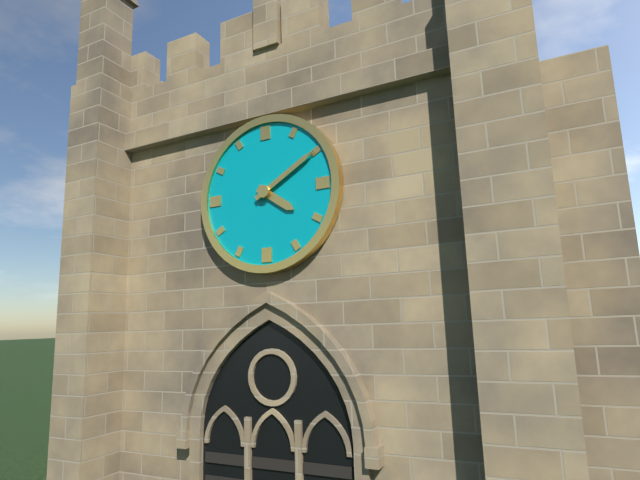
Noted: **4:10**
